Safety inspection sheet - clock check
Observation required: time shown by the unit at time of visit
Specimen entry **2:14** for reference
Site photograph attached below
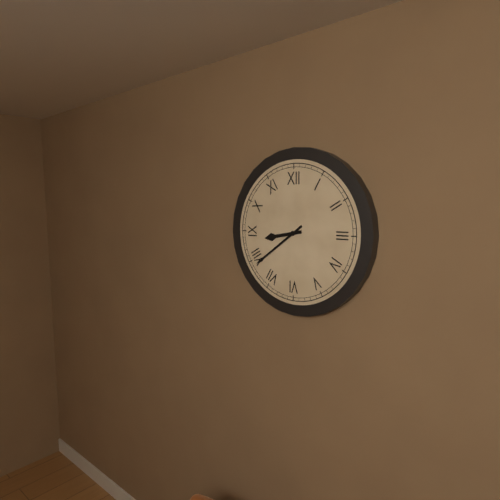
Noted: **8:39**
